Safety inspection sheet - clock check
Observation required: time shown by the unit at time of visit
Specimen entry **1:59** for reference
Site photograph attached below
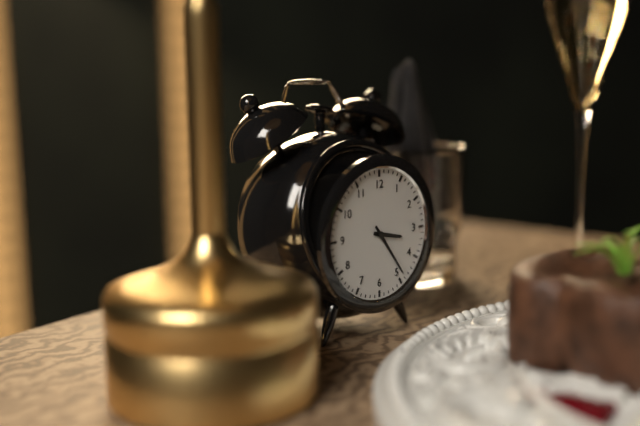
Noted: **3:24**
